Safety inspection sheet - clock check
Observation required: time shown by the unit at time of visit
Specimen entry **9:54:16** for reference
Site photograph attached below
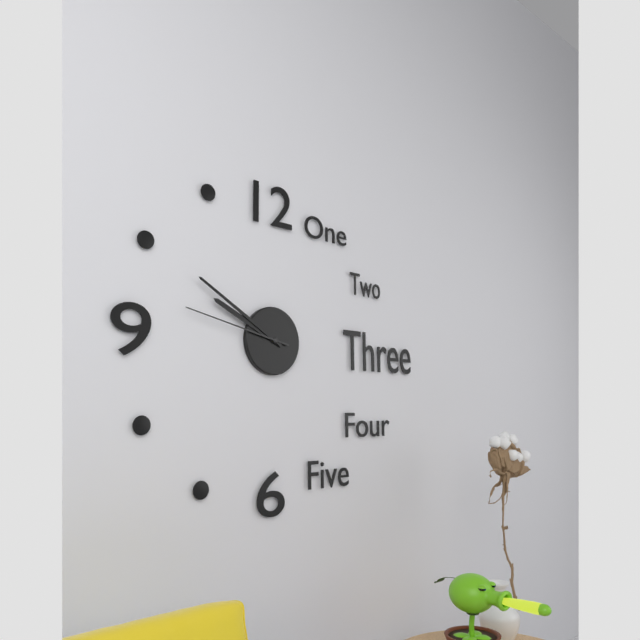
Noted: **9:50:47**
